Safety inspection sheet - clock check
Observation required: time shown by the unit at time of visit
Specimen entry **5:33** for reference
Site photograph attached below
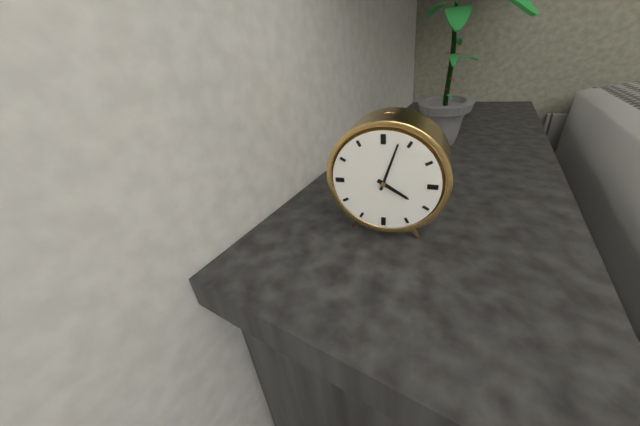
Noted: **4:03**
